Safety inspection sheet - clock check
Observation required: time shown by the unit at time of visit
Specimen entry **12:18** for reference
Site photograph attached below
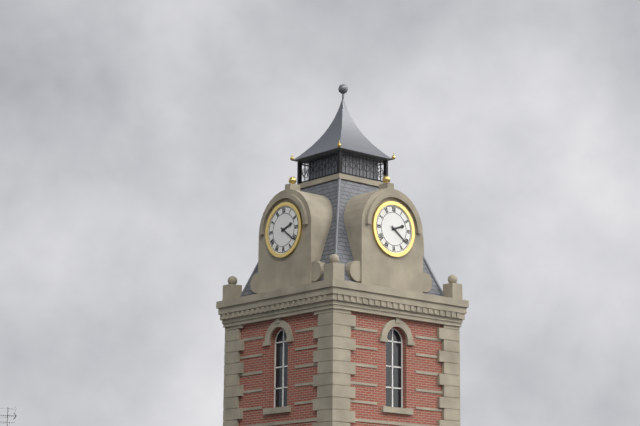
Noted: **2:21**
